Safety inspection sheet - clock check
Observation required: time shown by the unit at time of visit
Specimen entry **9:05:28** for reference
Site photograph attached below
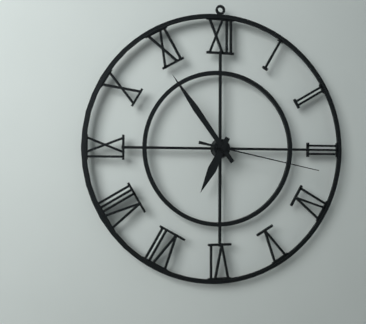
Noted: **6:54:17**
